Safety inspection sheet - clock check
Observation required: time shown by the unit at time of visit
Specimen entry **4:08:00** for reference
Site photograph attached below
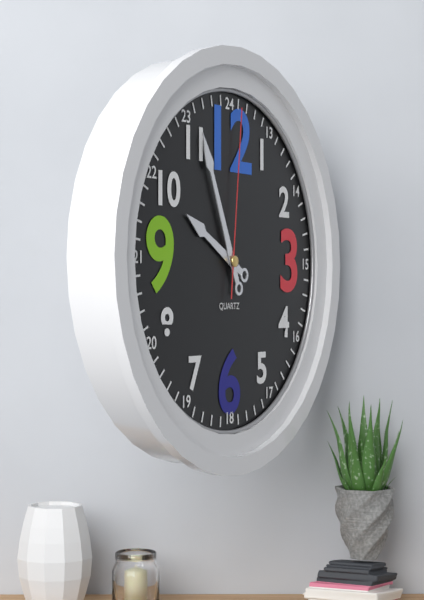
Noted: **9:56:01**
